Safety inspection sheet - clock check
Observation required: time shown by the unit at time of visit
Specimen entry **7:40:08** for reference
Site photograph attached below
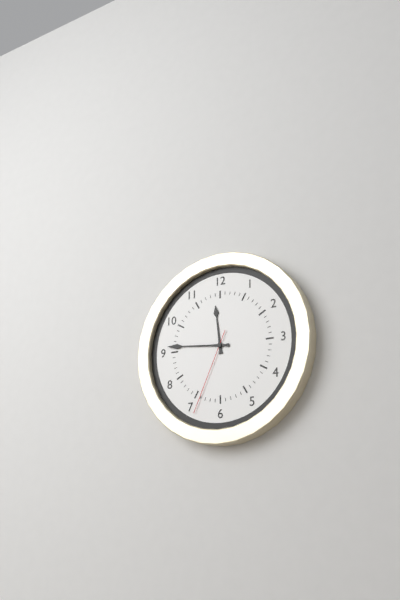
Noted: **11:46:34**
